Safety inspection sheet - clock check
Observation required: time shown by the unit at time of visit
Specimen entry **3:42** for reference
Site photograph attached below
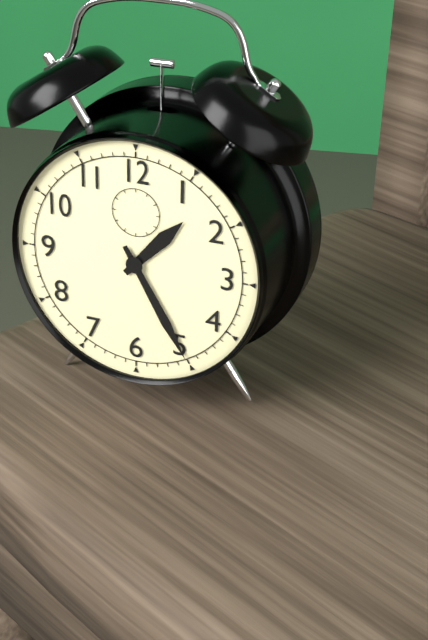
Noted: **1:25**
